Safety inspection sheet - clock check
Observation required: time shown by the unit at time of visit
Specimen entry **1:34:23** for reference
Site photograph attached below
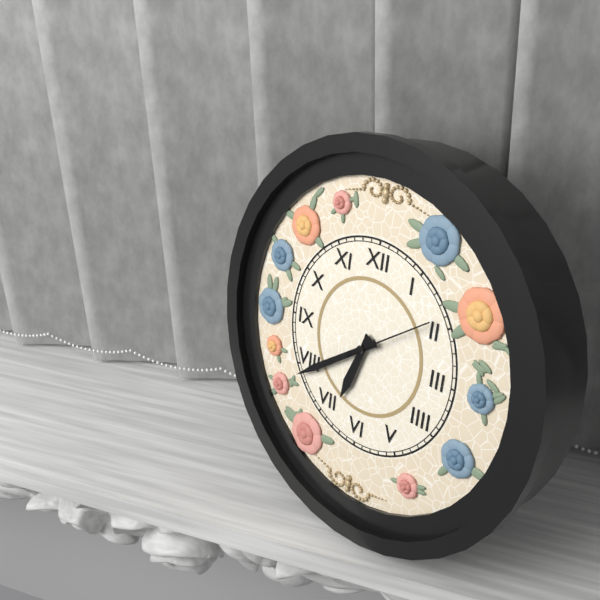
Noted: **6:39:09**
